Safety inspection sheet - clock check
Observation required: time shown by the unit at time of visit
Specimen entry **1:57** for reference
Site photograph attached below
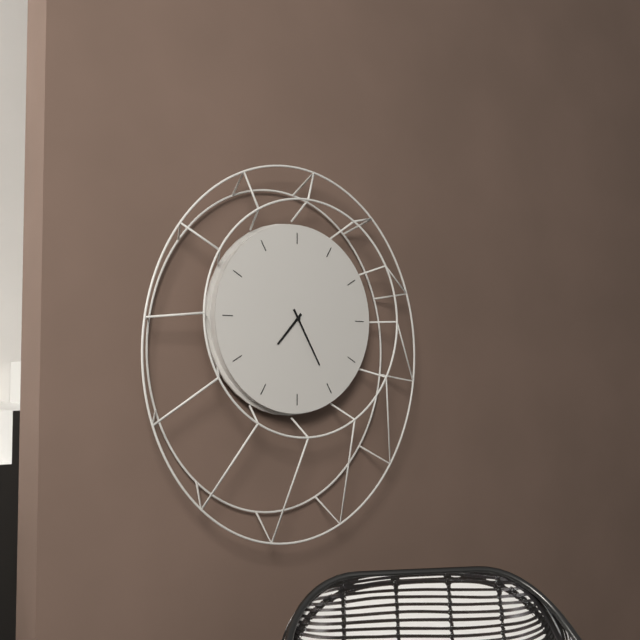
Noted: **7:25**
